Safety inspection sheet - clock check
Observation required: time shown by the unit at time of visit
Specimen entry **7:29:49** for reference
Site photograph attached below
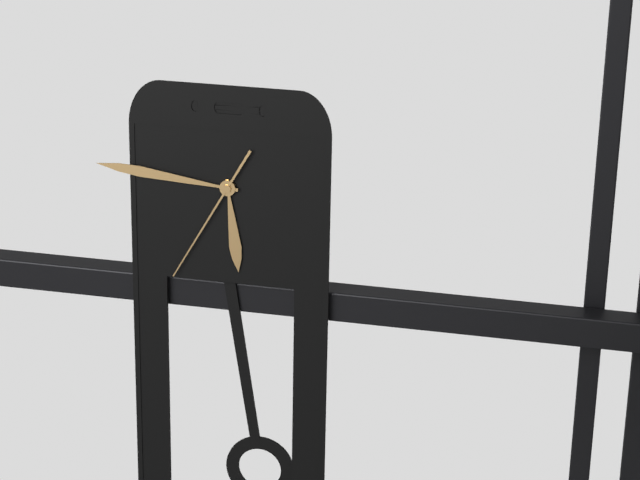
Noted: **5:46:35**
